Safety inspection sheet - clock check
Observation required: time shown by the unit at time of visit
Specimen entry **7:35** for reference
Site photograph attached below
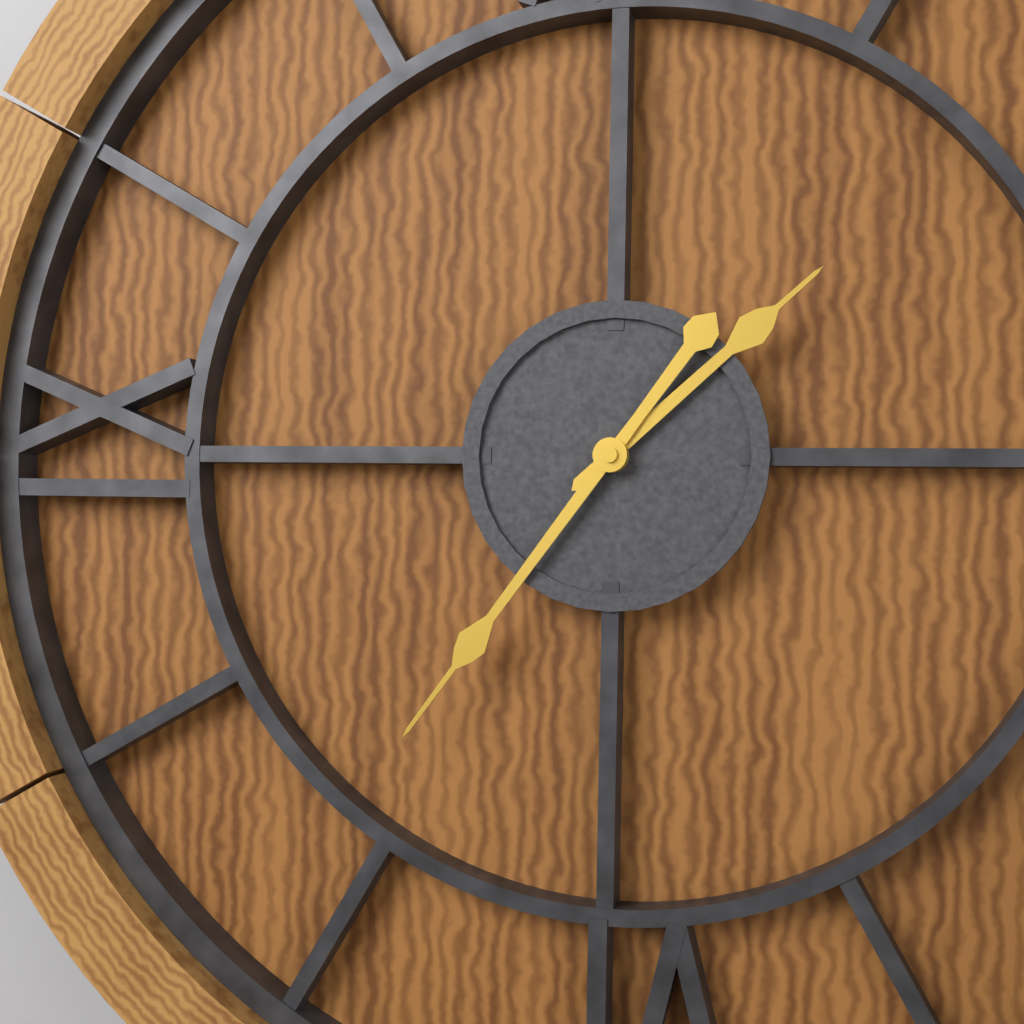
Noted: **1:36**
